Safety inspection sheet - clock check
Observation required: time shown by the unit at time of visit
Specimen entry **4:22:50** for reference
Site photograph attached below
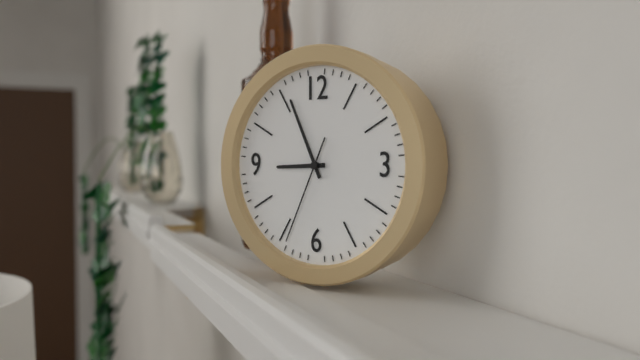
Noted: **8:56:34**
